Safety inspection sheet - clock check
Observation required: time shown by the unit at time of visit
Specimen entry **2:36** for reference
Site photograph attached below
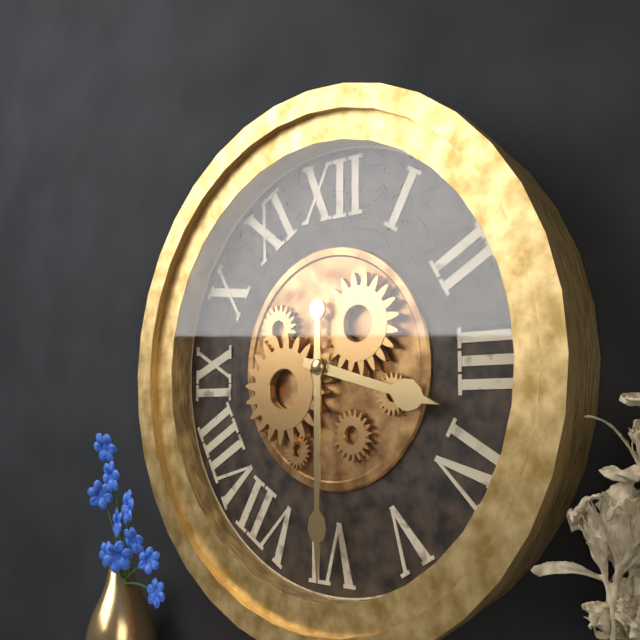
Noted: **3:30**
